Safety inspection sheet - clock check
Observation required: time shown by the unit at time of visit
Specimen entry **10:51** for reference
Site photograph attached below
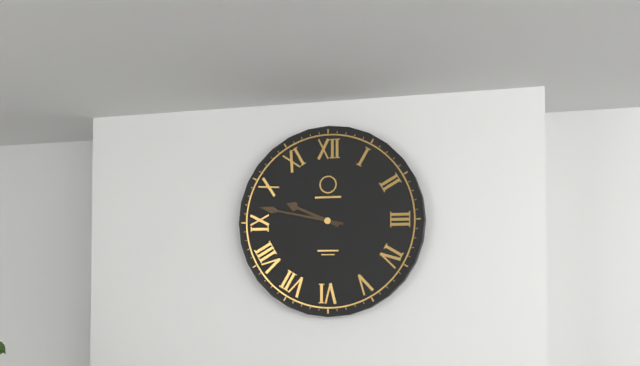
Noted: **9:47**
